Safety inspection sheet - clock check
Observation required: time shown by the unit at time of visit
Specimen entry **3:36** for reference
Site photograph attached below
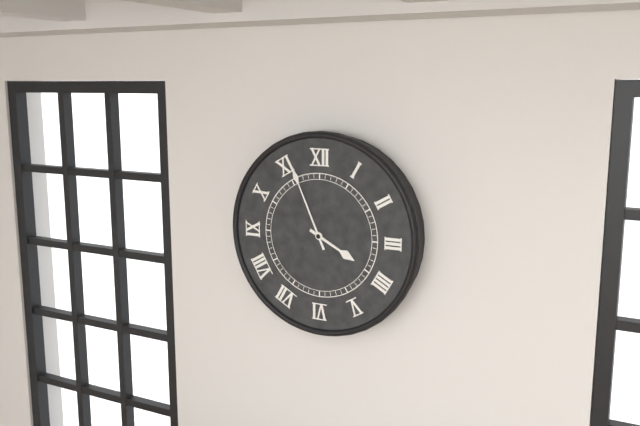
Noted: **3:56**
